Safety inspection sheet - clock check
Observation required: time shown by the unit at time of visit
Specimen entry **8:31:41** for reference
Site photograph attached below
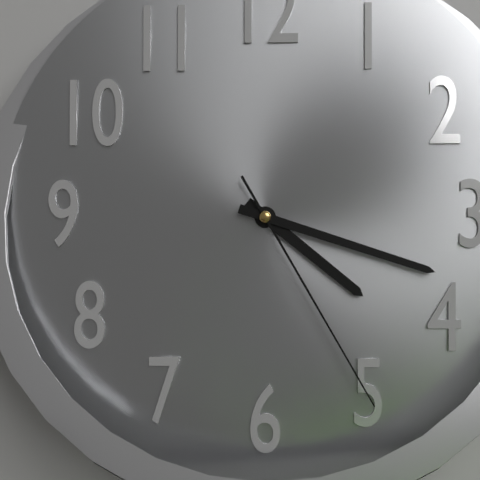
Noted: **4:18:25**
